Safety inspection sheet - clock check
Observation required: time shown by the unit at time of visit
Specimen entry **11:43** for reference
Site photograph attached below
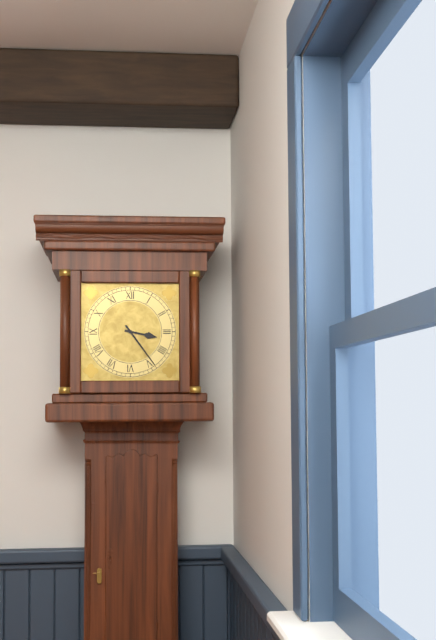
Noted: **3:24**
